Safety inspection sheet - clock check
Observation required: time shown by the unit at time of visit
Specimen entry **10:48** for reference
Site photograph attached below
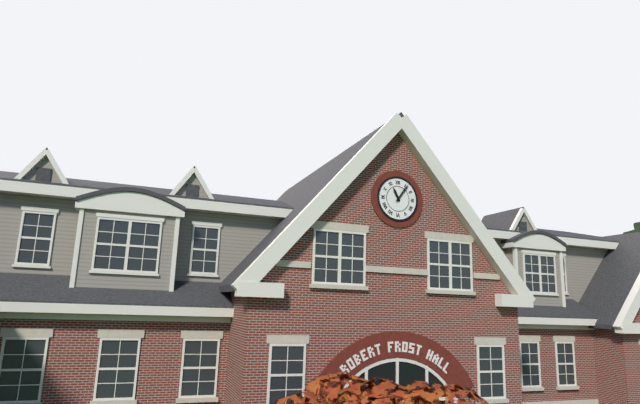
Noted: **11:06**
